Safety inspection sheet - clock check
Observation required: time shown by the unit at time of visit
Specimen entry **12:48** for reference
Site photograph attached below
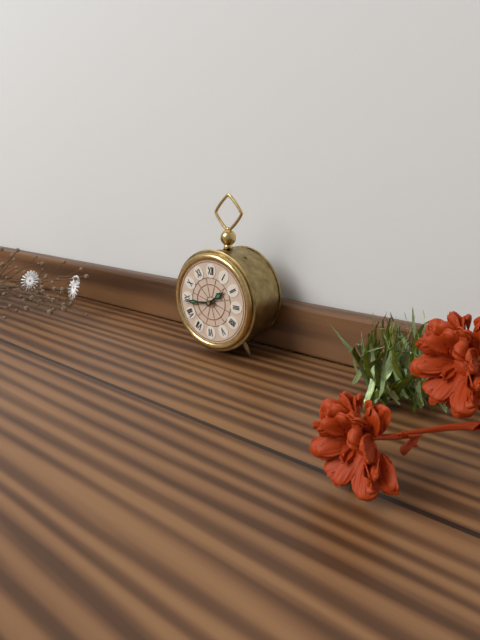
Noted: **1:44**
